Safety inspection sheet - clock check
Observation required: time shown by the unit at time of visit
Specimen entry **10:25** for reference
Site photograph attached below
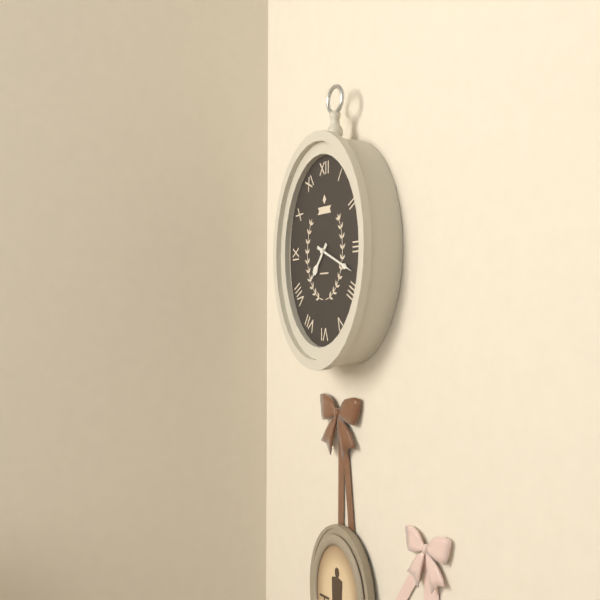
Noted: **7:19**
